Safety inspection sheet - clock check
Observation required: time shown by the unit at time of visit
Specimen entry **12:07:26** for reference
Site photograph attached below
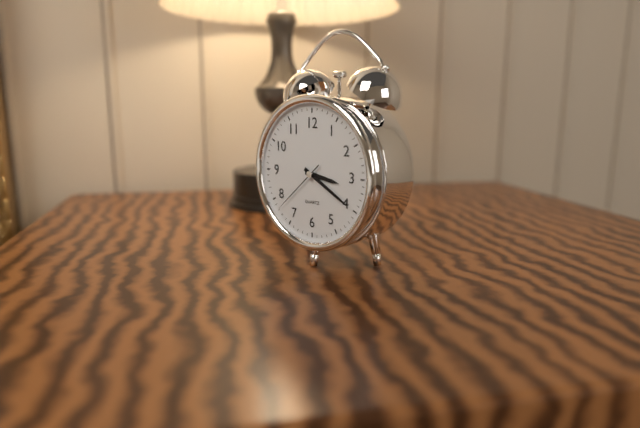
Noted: **3:20:38**
